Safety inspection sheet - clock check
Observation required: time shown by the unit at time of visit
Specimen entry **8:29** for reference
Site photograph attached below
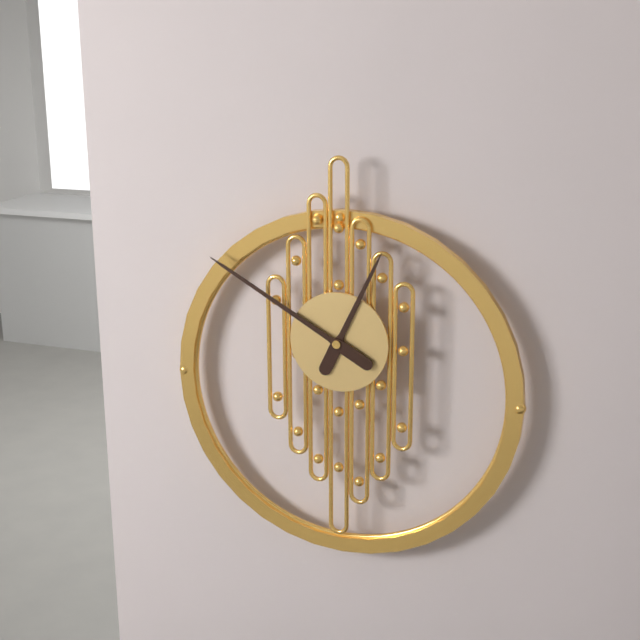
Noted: **12:50**
